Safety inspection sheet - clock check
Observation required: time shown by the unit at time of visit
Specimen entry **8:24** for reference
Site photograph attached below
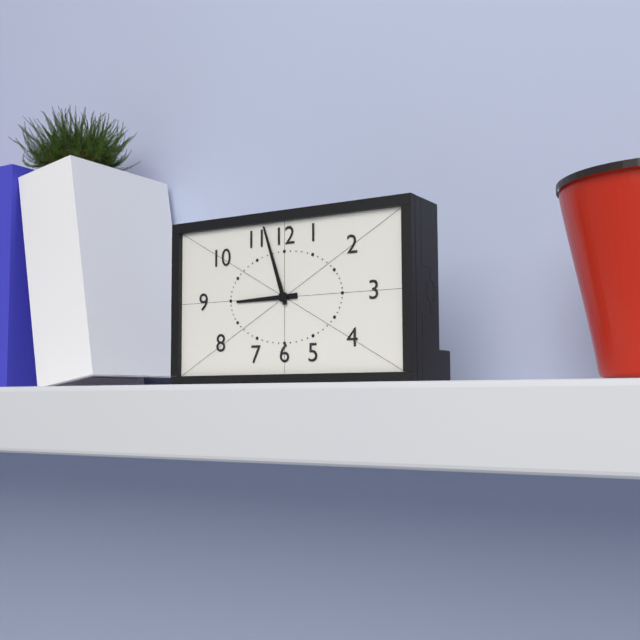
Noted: **8:57**
